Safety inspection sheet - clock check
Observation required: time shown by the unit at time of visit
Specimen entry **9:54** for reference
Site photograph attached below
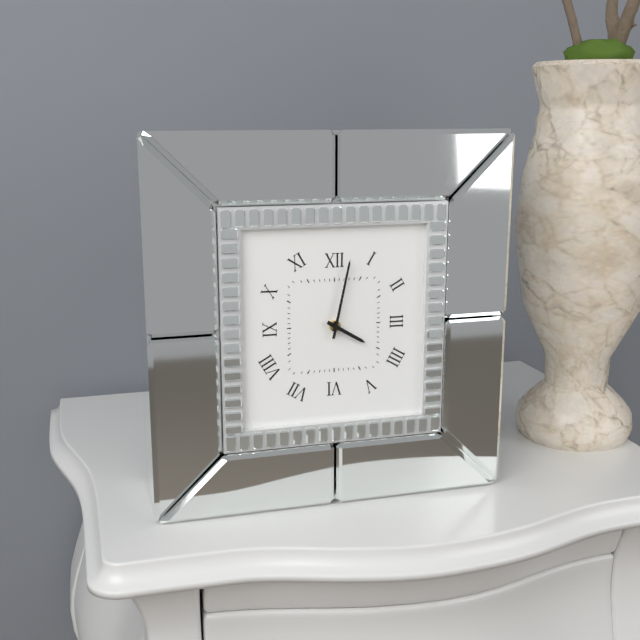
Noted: **4:02**
